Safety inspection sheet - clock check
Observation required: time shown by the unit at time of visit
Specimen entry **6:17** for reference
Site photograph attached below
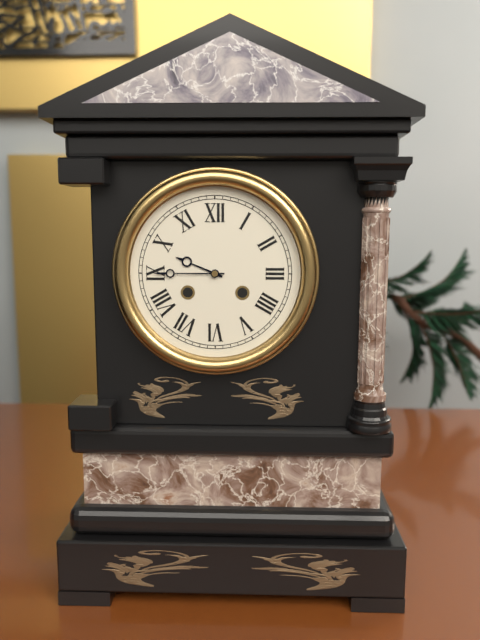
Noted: **9:45**
